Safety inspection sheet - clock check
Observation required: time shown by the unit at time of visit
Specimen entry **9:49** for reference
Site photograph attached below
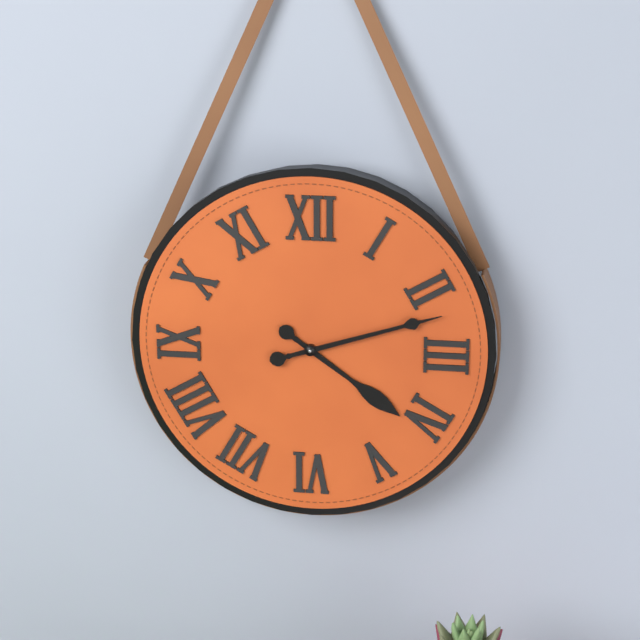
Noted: **4:12**
